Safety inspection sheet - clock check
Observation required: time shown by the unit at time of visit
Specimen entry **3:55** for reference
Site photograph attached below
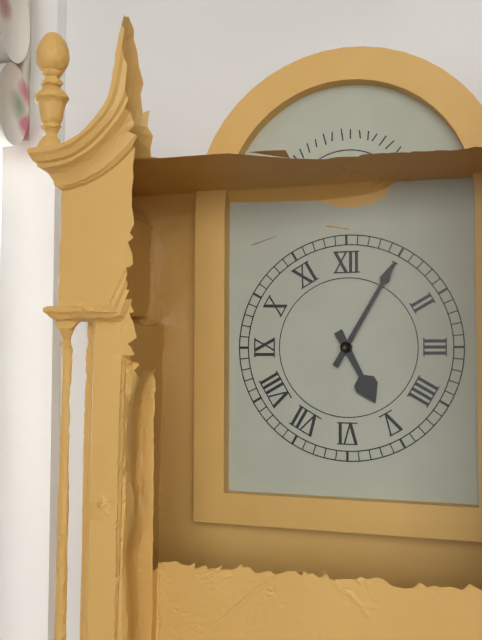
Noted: **5:05**
